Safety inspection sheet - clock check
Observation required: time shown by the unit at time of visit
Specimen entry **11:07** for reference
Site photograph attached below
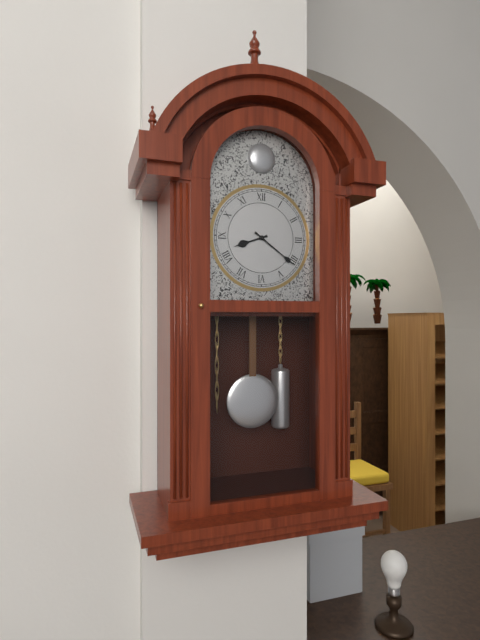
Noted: **8:21**
